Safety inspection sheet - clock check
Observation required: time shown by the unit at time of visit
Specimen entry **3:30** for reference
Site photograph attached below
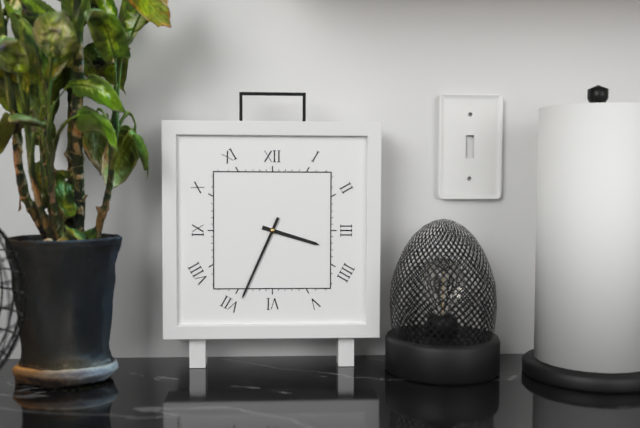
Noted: **3:34**
